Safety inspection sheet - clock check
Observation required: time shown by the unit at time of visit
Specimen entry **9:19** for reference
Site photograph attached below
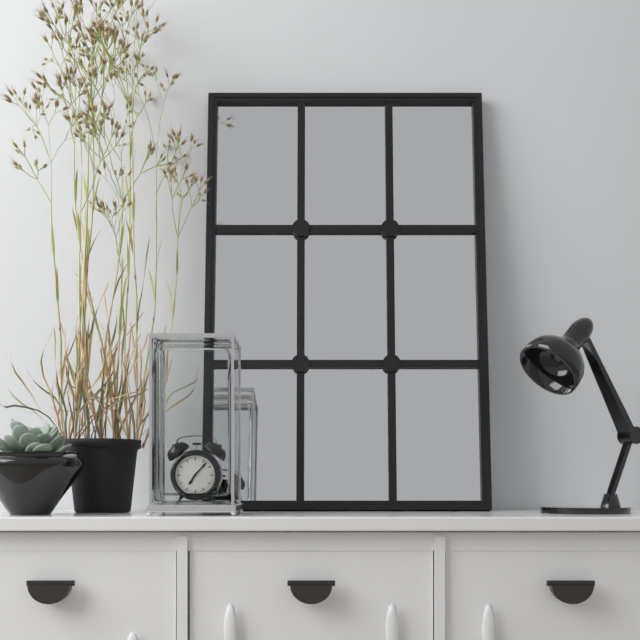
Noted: **7:07**
